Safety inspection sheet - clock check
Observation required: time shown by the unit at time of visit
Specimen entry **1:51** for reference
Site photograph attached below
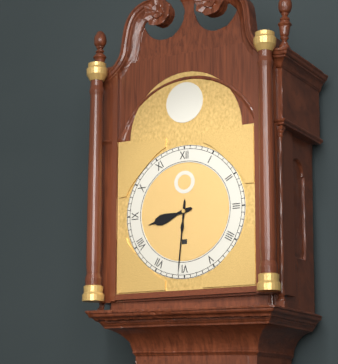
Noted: **8:31**
